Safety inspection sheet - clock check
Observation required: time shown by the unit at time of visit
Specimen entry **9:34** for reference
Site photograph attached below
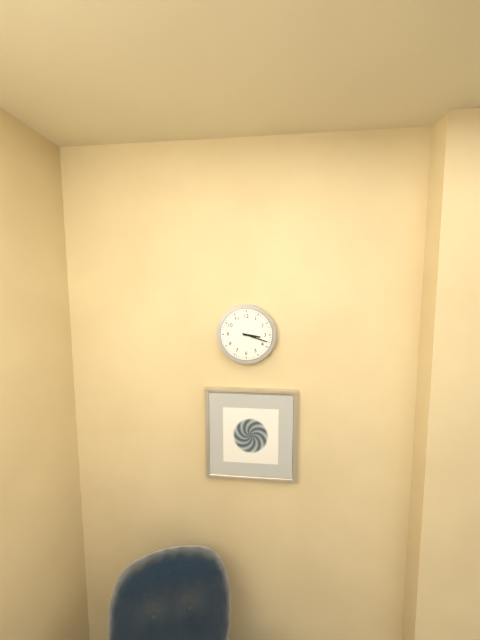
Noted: **3:18**
